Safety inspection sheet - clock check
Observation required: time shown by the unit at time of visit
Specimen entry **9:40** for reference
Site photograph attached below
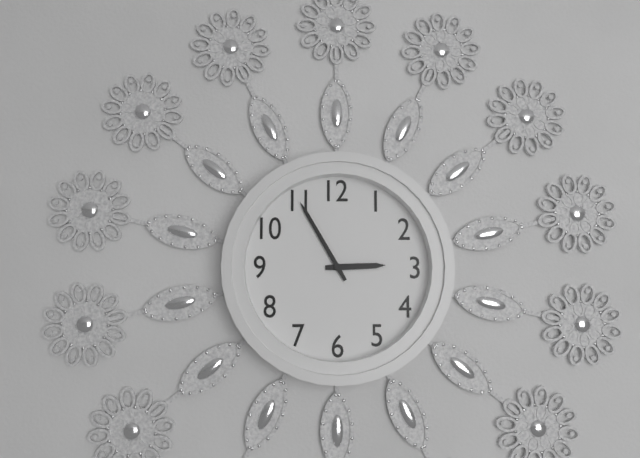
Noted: **2:55**
